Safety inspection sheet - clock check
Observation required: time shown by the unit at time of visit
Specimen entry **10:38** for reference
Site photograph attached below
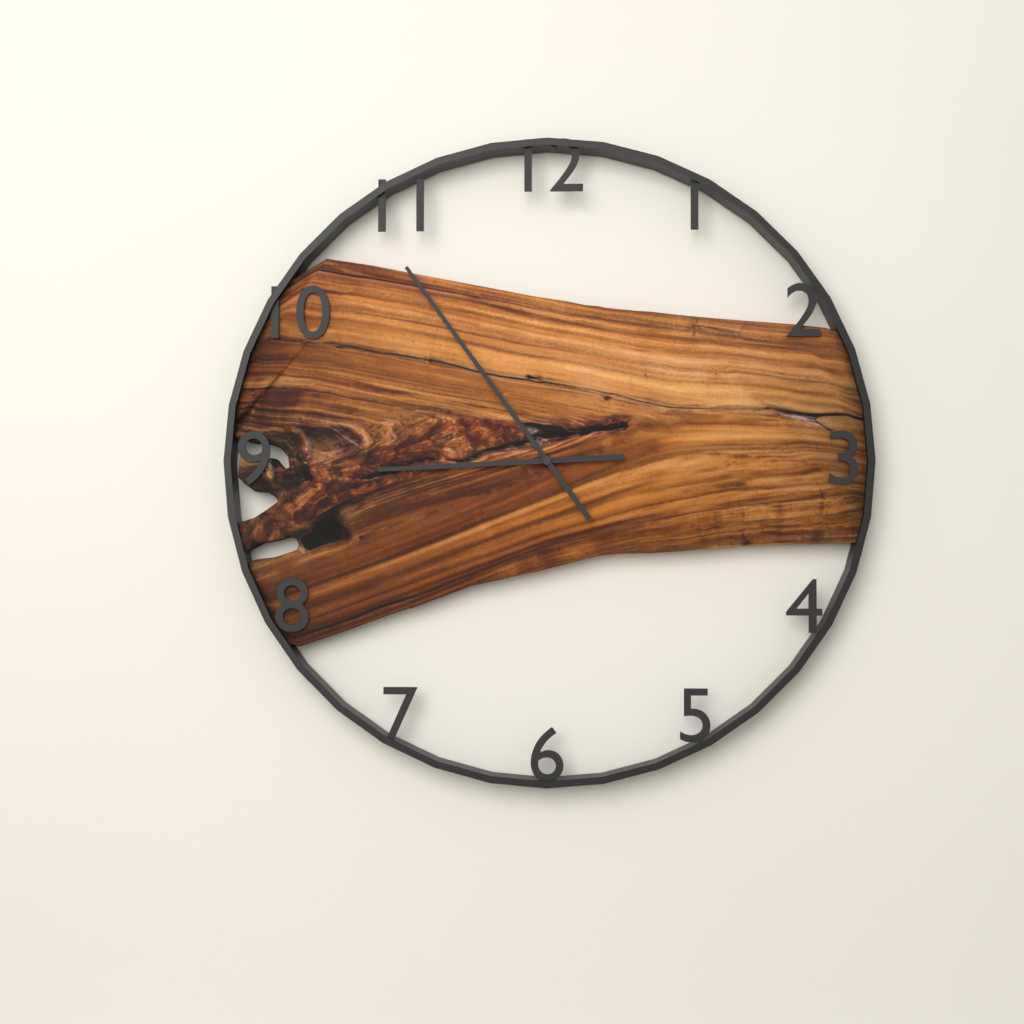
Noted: **8:54**
